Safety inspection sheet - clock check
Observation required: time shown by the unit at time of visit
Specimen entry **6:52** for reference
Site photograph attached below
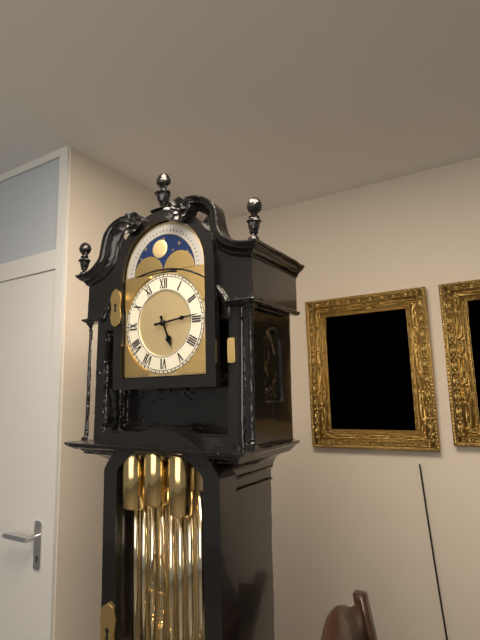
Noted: **5:14**
